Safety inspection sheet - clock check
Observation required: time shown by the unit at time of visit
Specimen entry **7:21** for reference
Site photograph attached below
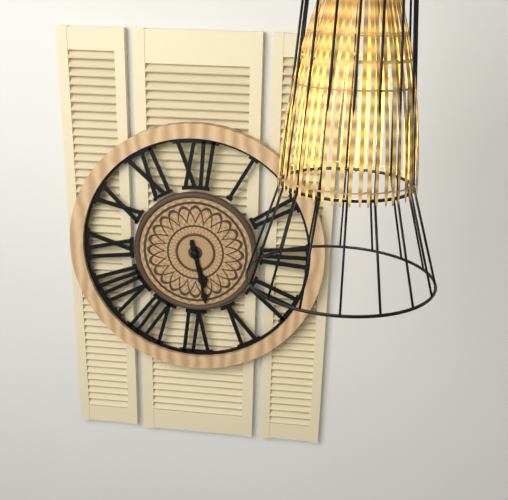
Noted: **5:28**
